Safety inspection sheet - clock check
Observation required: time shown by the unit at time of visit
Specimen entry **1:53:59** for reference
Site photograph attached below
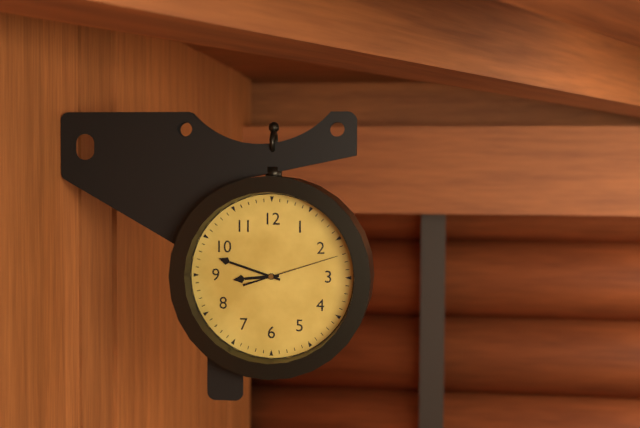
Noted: **8:48:12**
